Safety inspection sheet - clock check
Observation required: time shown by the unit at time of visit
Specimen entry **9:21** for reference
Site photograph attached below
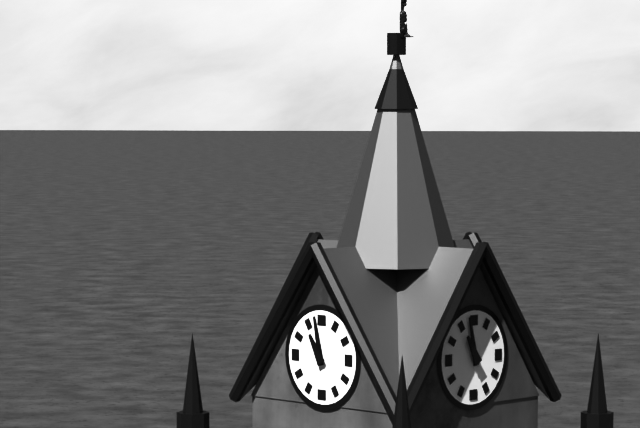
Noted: **10:58**
